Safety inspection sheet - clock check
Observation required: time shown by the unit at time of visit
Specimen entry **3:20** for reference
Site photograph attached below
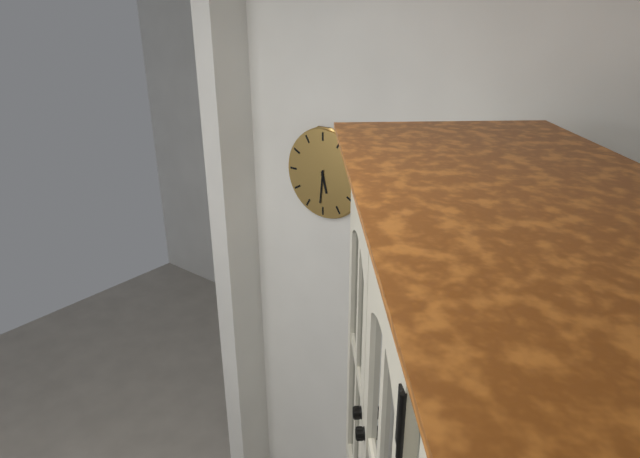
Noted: **5:31**
